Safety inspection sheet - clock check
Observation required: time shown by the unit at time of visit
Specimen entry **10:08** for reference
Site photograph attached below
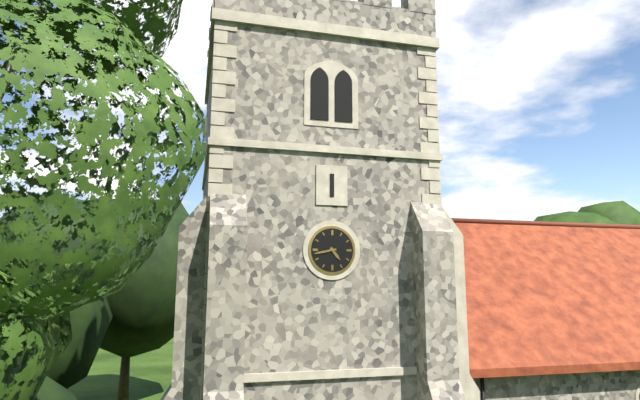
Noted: **4:43**
